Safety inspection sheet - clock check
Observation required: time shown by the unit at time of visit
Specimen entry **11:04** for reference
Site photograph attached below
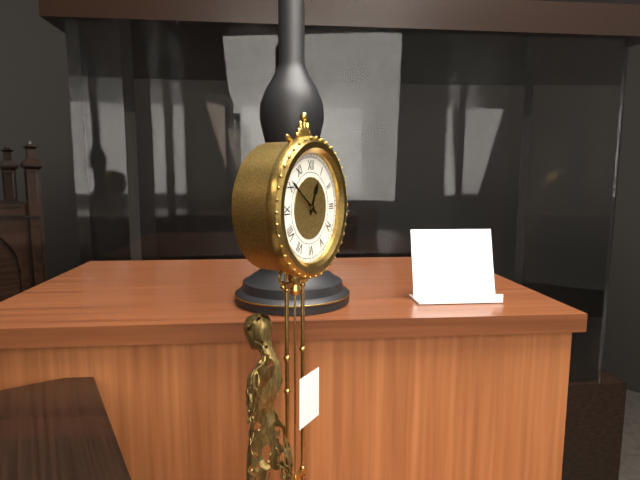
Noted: **12:51**
